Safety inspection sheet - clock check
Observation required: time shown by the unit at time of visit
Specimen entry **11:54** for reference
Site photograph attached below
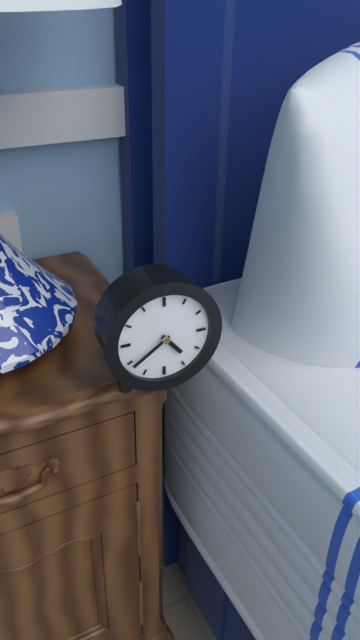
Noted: **4:39**
